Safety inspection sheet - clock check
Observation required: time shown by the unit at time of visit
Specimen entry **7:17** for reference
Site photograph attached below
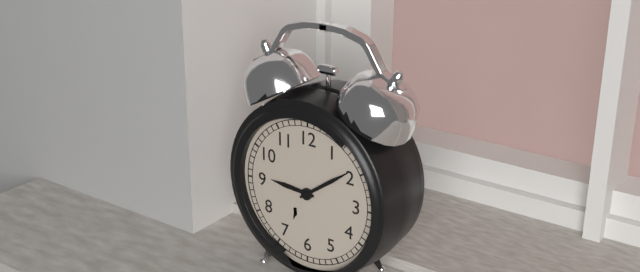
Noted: **9:09**
